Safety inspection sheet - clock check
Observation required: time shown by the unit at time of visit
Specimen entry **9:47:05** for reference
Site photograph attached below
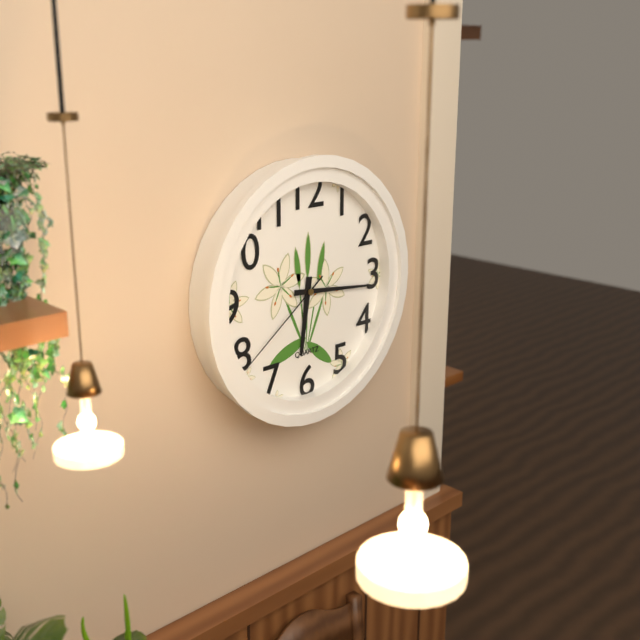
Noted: **6:16:39**
